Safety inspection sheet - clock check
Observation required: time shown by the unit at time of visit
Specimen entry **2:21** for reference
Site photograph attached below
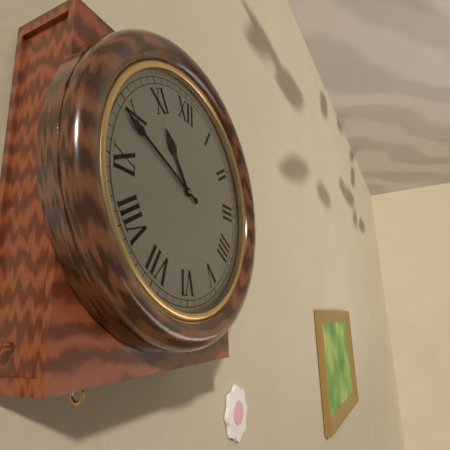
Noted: **10:49**
